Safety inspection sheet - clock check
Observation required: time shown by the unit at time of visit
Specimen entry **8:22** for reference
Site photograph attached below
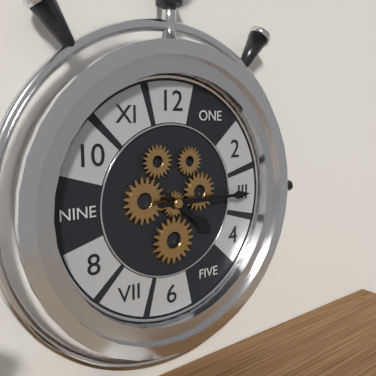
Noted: **4:15**
